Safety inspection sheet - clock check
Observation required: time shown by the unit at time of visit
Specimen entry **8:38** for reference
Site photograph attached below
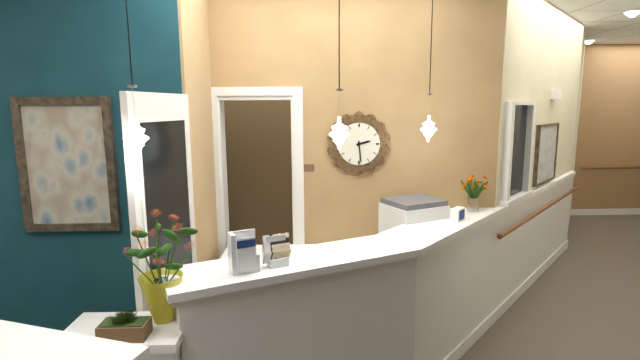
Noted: **2:29**
